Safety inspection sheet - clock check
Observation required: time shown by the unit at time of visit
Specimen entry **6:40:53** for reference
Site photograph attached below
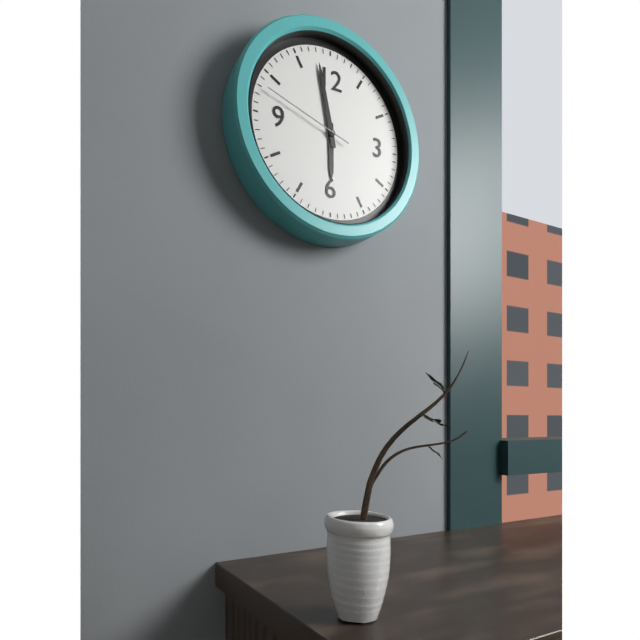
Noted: **5:58:48**
